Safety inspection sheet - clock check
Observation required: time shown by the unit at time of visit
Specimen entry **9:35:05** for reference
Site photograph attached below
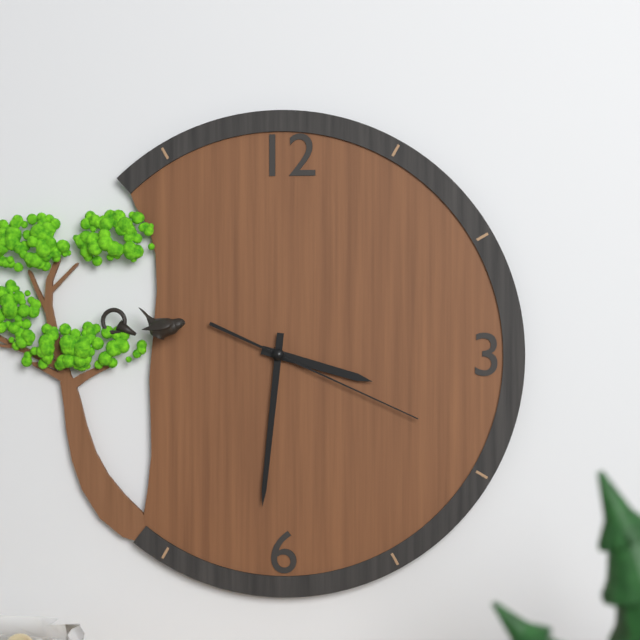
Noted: **3:31:19**
